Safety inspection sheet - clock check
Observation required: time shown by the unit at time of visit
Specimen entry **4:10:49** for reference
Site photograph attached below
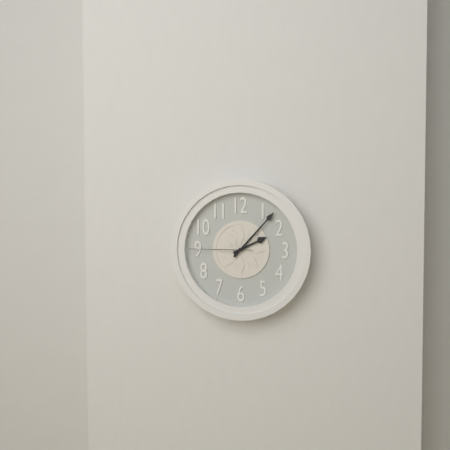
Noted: **2:07:45**
